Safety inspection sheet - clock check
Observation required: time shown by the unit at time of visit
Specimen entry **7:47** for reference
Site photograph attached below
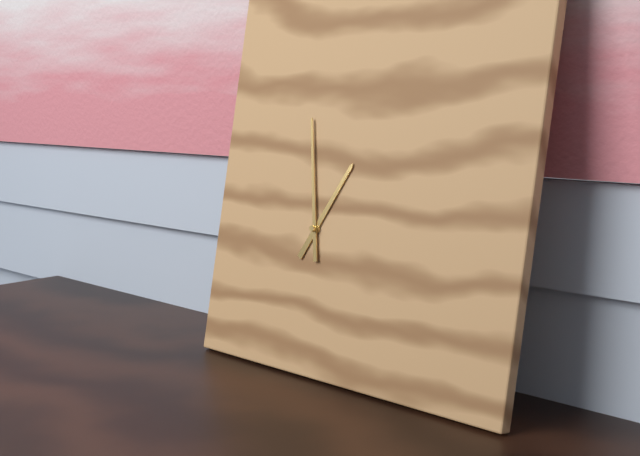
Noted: **12:58**
